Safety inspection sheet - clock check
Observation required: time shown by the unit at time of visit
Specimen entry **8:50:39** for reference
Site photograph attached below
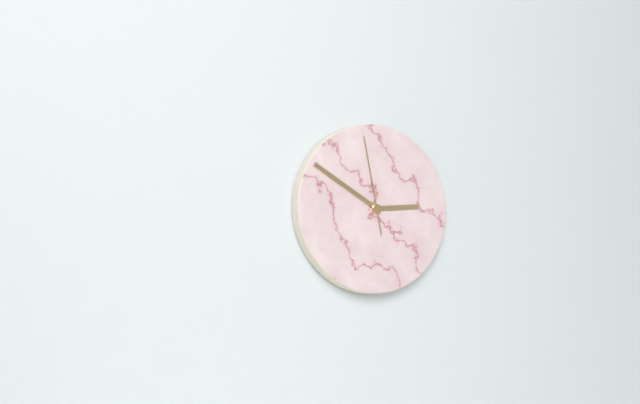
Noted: **2:50:58**
